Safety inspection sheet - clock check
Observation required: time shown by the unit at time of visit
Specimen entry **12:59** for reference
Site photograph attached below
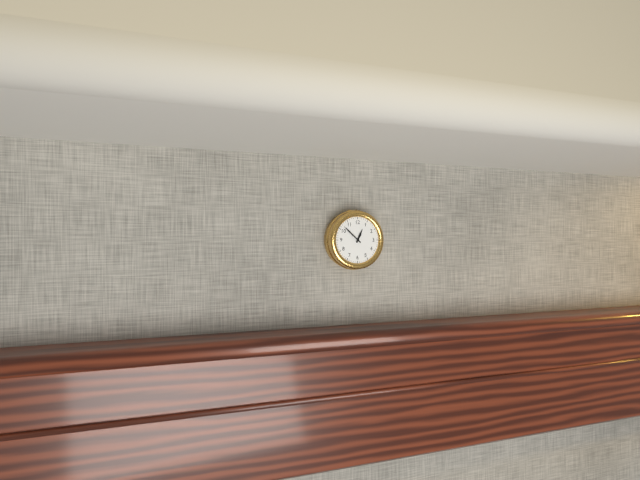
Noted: **12:52**
